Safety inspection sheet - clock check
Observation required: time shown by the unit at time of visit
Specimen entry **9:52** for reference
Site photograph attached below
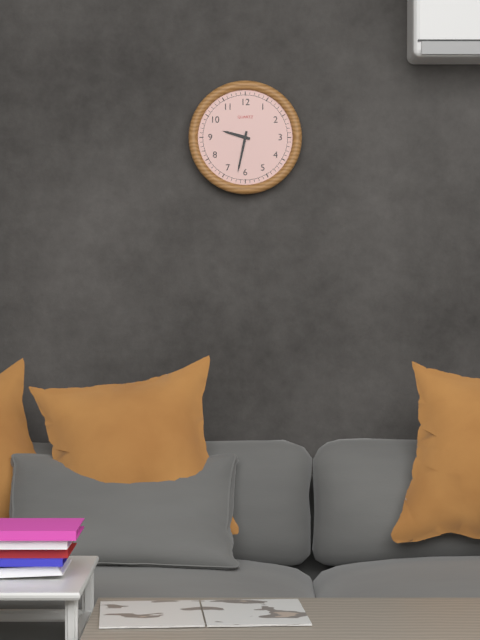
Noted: **9:32**
